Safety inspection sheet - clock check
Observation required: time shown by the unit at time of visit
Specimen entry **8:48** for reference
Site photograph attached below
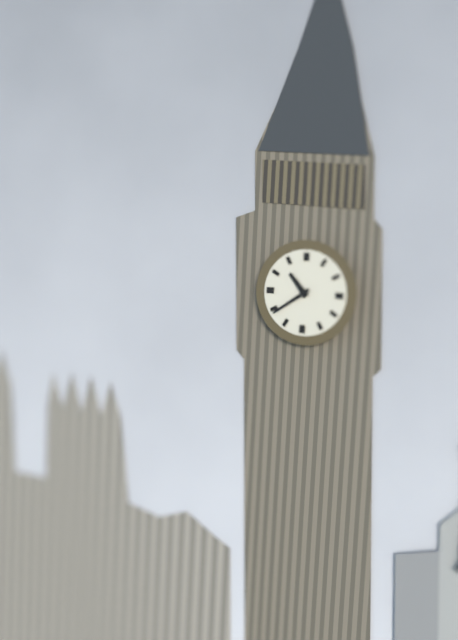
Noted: **10:39**
